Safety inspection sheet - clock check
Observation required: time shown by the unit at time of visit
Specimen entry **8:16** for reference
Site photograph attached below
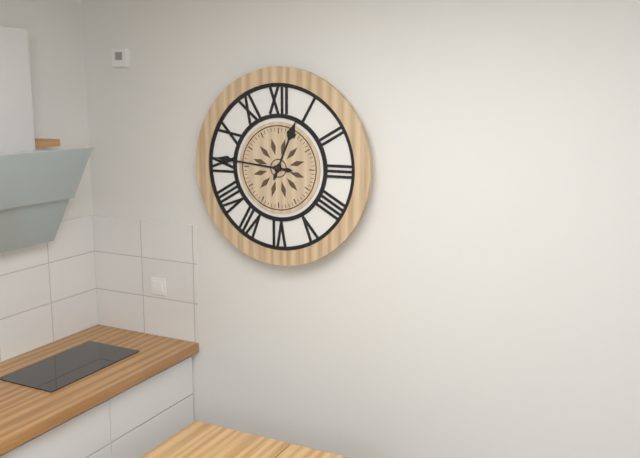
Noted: **12:46**
